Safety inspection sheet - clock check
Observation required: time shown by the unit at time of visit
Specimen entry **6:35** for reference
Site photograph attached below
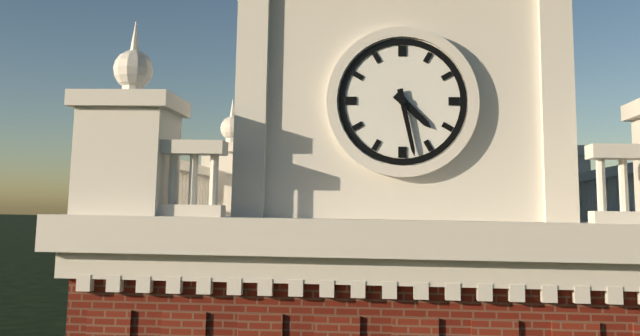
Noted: **4:28**
